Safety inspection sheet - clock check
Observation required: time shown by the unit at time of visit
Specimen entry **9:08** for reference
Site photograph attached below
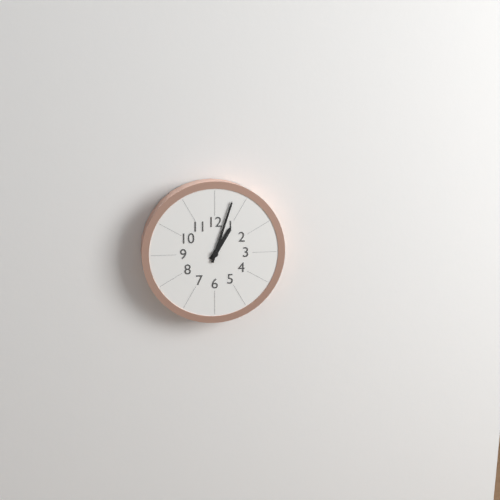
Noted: **1:03**
